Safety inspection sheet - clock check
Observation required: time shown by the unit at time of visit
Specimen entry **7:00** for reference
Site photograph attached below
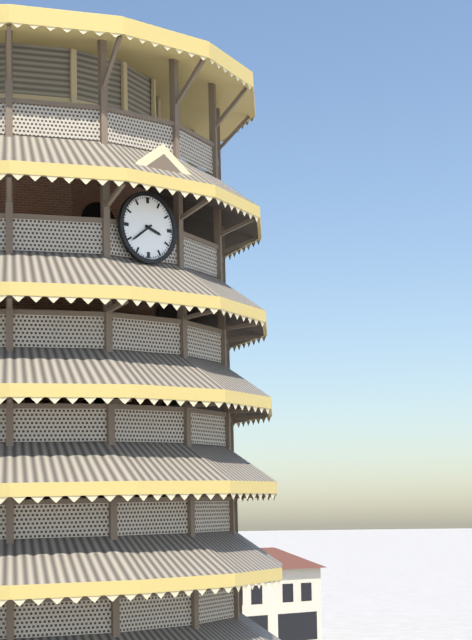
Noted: **3:39**
